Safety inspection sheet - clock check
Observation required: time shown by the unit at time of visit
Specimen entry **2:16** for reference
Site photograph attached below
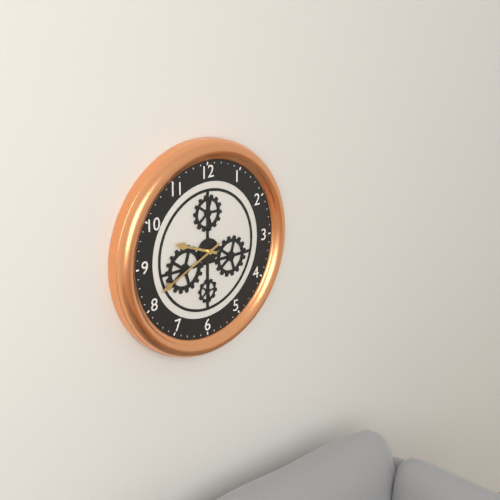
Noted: **9:41**
